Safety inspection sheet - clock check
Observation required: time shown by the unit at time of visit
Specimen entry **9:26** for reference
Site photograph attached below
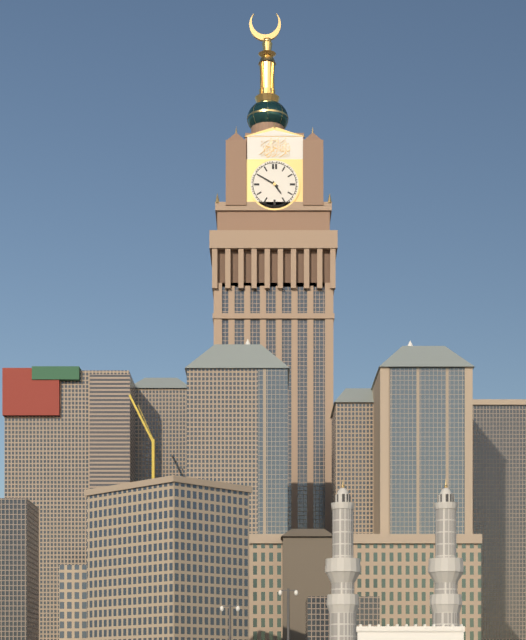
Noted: **4:50**
